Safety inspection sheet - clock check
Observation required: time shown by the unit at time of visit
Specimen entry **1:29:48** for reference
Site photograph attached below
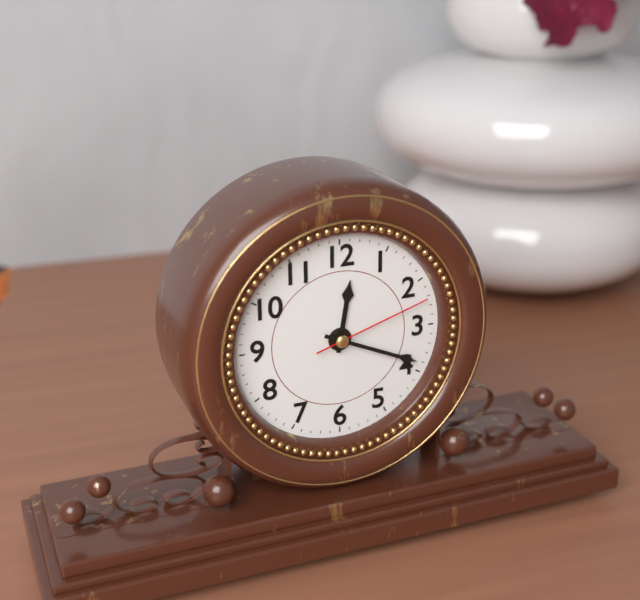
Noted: **12:19:12**
